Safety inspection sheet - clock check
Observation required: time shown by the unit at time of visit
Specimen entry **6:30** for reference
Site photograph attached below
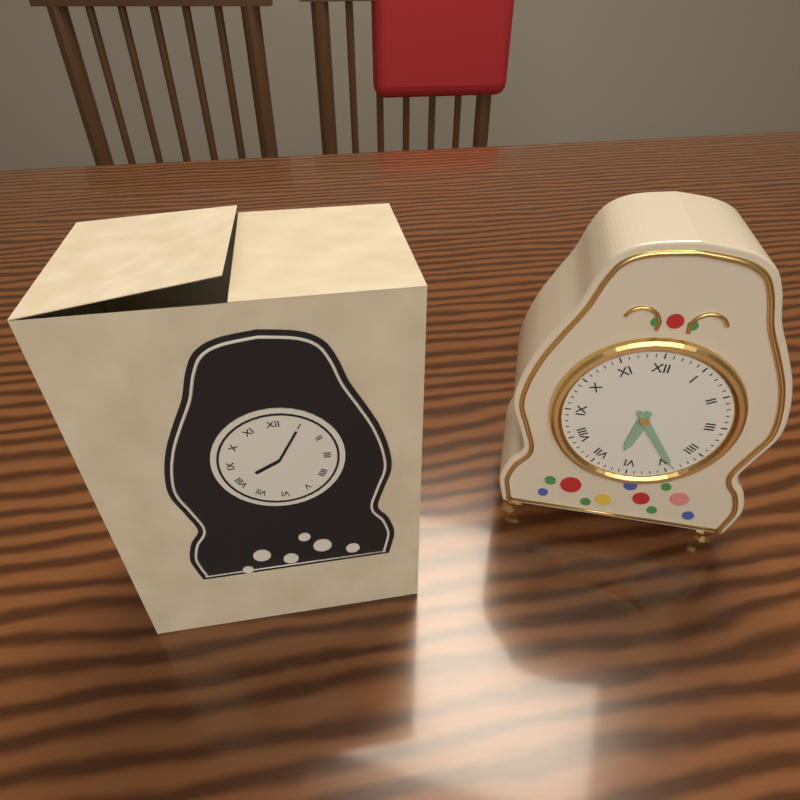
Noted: **6:24**
